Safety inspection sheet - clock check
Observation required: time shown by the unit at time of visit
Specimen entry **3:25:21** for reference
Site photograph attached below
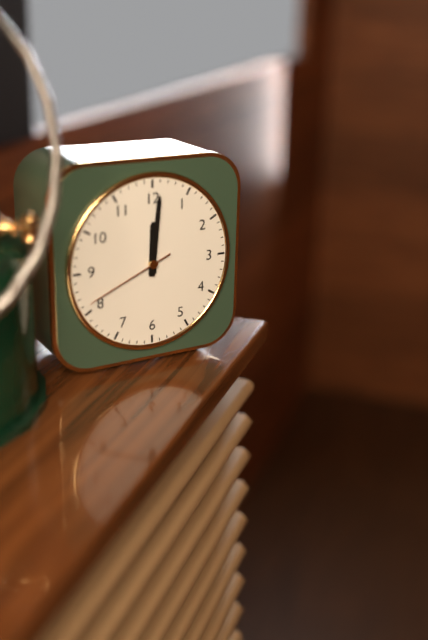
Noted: **12:01:41**
